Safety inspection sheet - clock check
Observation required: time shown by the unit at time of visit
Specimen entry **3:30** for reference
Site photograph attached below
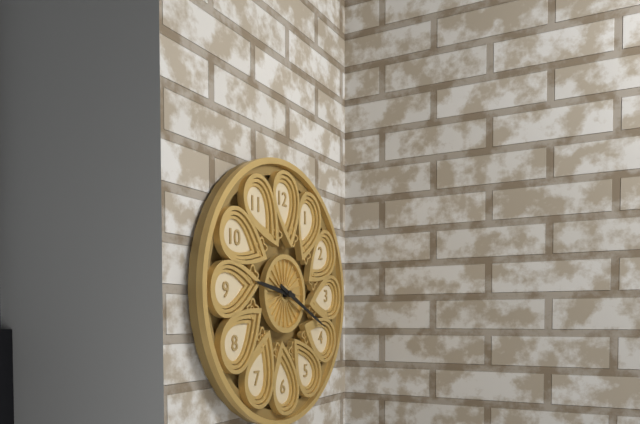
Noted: **9:19**
